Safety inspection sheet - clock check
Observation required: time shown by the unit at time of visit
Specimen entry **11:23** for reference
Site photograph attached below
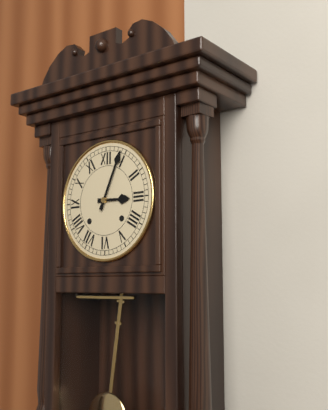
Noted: **3:04**
